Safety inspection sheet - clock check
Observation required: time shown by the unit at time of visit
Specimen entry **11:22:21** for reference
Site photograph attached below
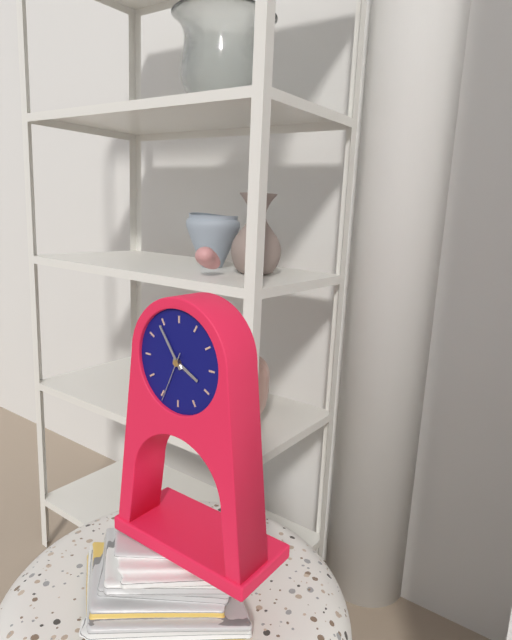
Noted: **3:54:34**
